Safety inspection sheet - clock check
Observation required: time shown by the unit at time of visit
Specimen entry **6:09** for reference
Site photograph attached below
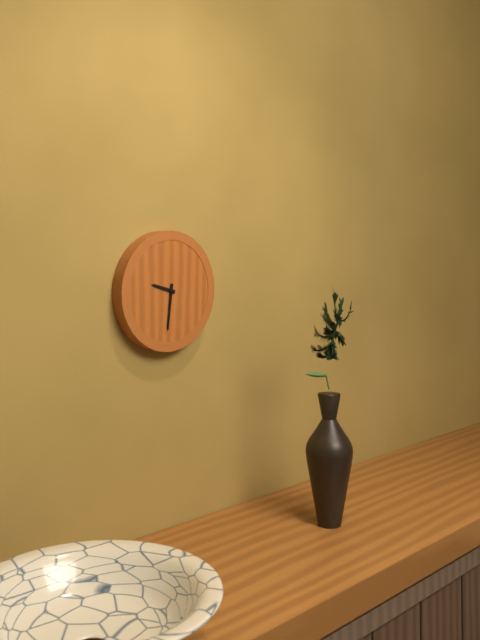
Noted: **9:31**
